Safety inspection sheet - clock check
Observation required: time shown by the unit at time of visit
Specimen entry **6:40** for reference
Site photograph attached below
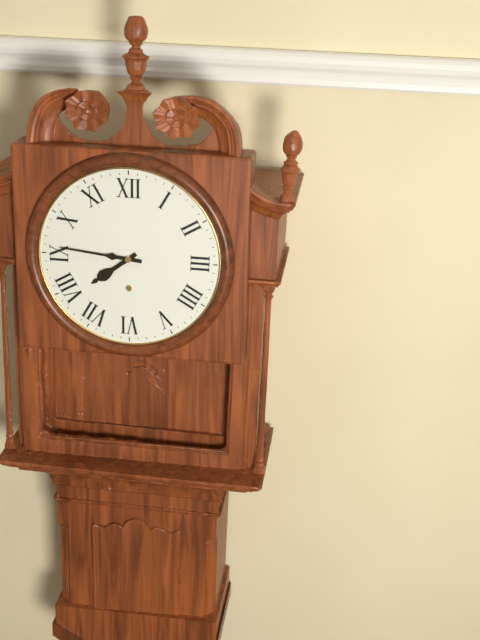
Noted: **7:46**
